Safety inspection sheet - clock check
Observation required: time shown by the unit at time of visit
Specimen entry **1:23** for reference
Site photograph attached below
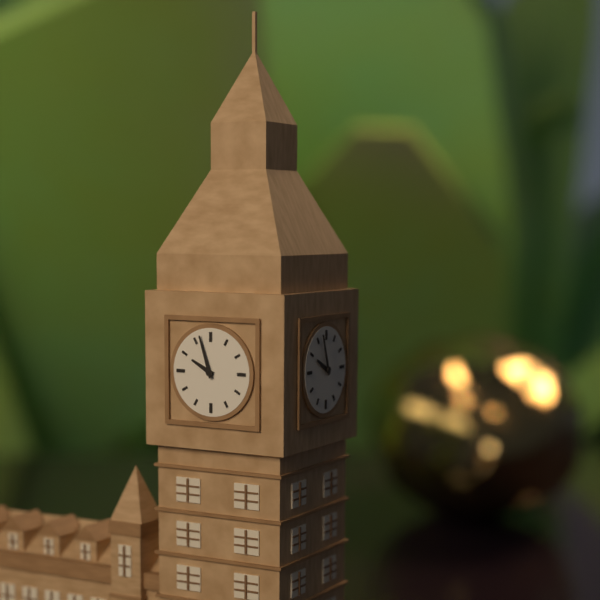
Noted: **9:57**
